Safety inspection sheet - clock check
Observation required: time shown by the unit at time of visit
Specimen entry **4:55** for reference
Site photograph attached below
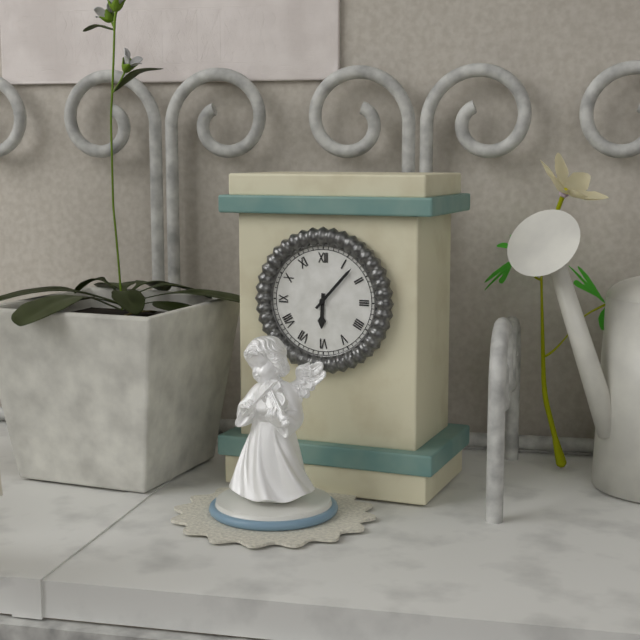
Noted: **6:07**
